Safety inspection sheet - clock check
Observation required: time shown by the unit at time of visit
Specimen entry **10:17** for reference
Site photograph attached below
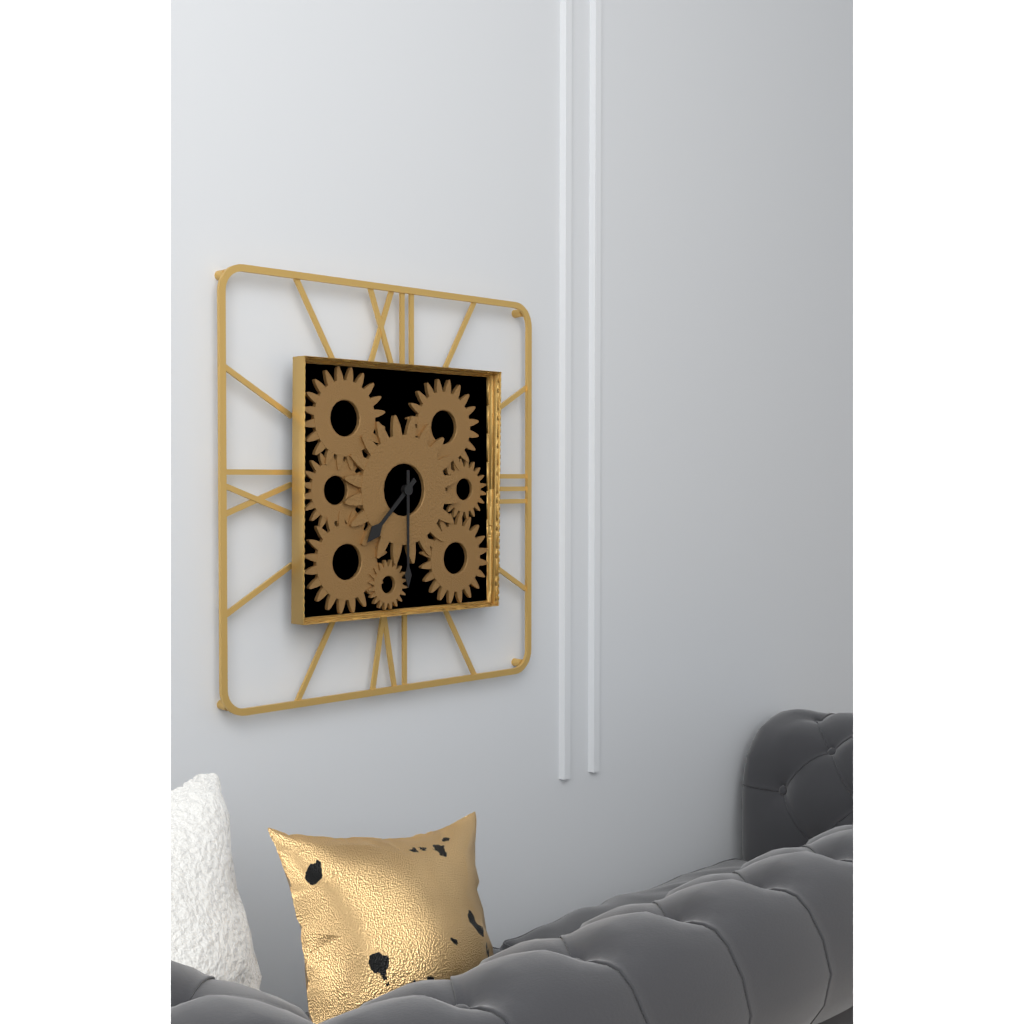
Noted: **7:30**
